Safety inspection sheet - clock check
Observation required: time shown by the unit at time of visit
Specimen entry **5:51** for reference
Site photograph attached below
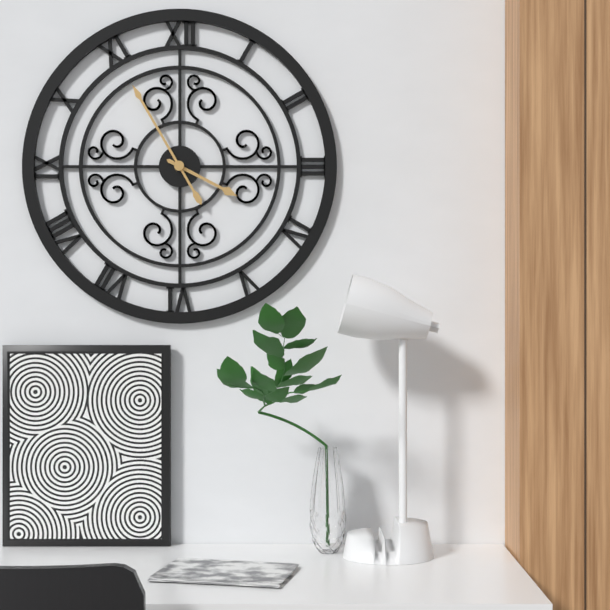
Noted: **3:55**
